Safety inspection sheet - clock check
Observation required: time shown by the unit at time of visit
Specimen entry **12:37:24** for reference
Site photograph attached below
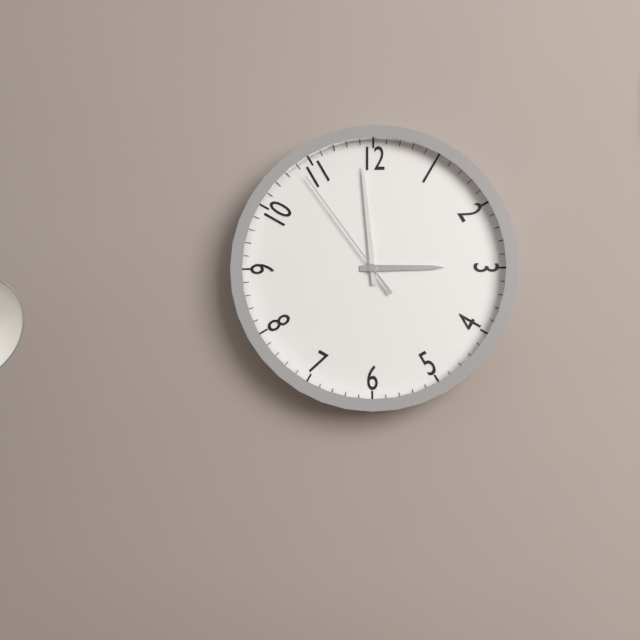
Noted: **2:59:54**
